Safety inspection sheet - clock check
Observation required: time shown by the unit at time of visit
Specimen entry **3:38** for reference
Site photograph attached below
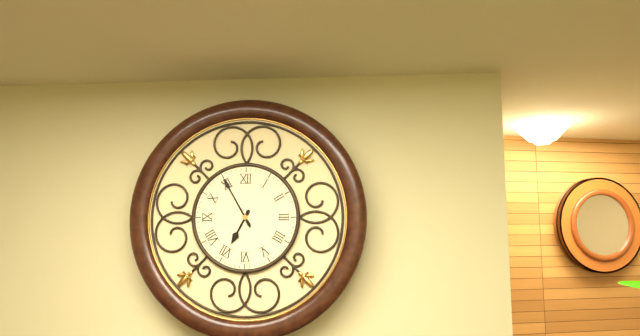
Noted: **6:55**
